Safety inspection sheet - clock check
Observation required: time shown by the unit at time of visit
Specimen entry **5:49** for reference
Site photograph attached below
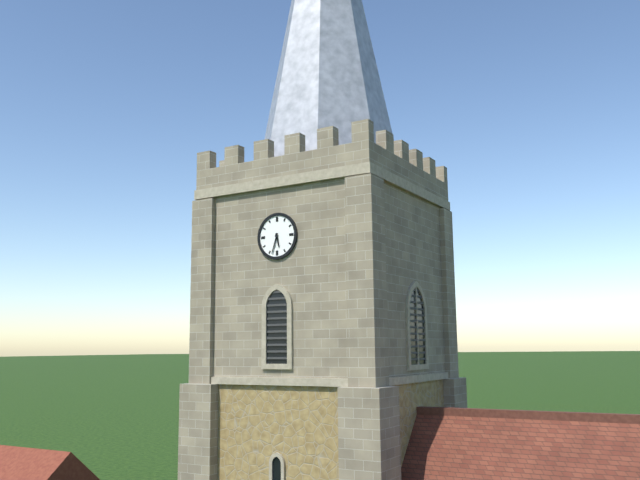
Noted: **5:33**
